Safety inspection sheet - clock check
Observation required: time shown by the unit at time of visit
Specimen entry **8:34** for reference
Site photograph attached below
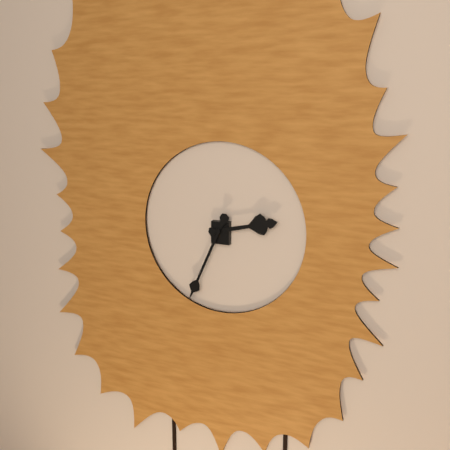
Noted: **2:34**
